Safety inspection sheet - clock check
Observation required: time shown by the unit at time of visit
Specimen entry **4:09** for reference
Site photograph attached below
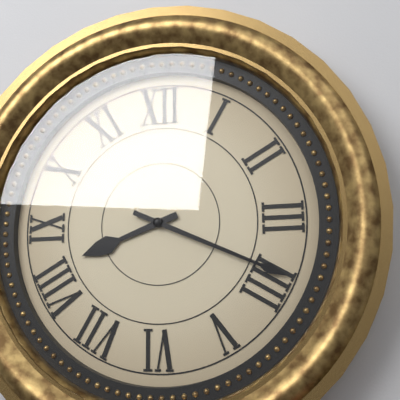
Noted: **8:19**
